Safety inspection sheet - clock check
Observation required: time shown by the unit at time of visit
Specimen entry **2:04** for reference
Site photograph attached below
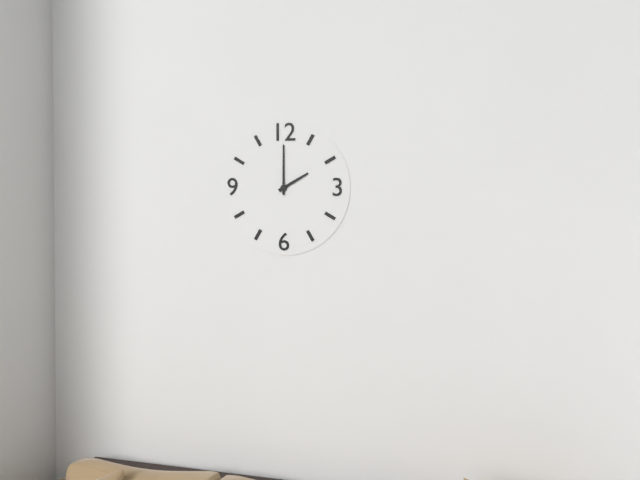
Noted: **2:00**
